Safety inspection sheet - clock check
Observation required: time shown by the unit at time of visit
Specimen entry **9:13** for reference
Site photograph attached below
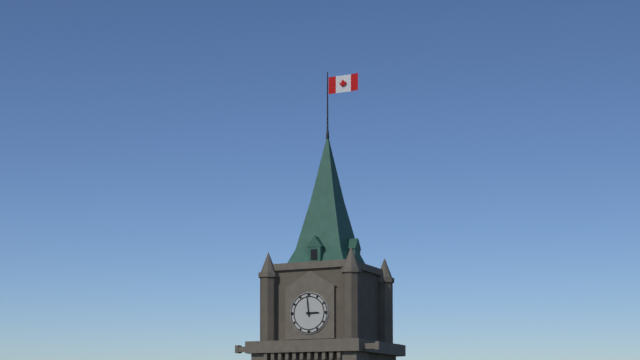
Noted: **2:59**
